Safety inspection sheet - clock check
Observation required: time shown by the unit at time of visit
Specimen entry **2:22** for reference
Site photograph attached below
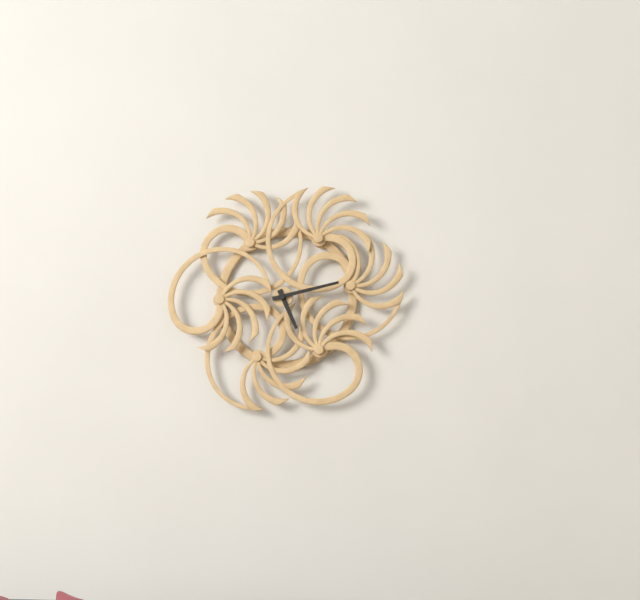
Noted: **5:13**
